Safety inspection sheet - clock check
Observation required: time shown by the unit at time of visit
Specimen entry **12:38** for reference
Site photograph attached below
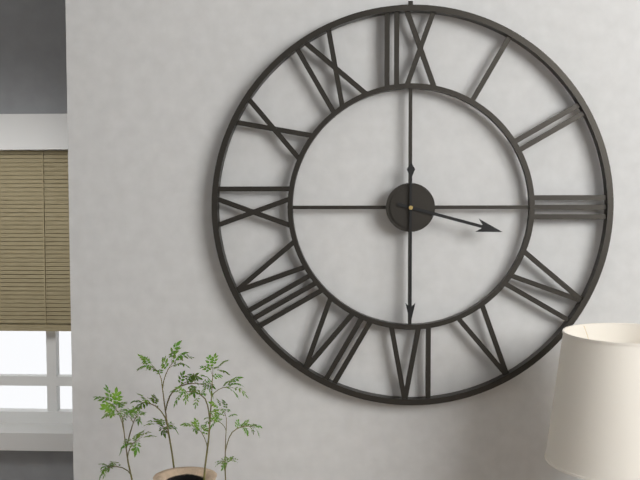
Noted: **3:30**
